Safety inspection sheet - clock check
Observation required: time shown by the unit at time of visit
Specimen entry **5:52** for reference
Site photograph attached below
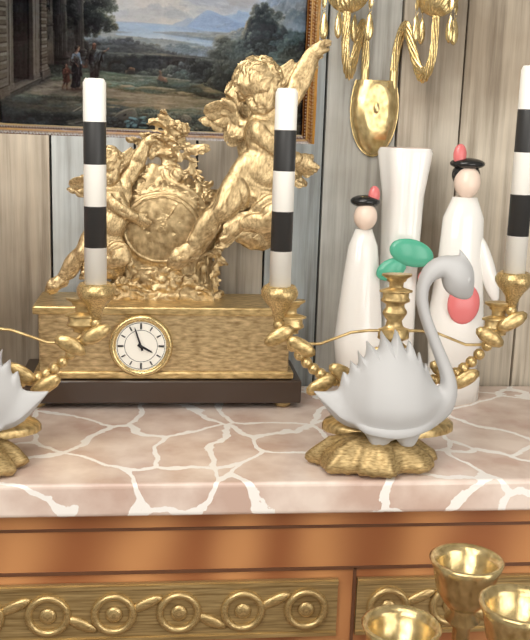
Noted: **3:57**
